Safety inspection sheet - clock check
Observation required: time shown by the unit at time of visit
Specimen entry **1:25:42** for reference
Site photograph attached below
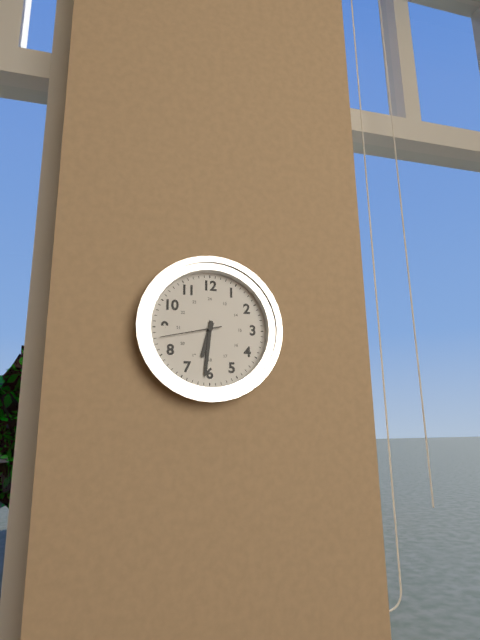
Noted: **6:31:43**
